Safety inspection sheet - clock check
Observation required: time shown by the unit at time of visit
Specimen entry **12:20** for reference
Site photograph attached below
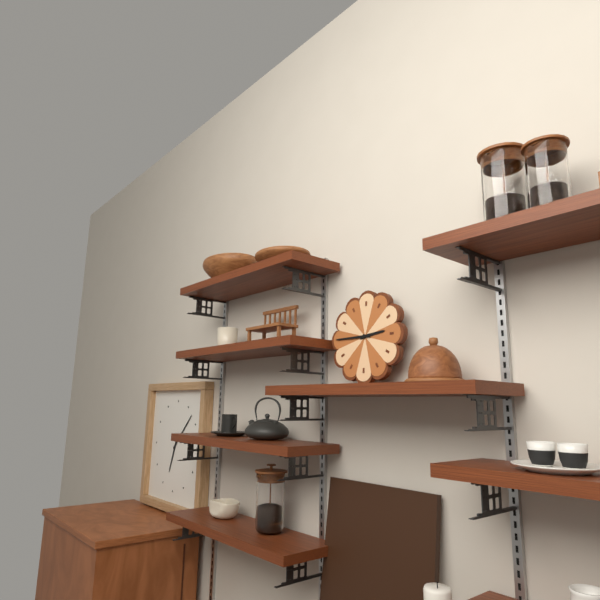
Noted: **2:45**
